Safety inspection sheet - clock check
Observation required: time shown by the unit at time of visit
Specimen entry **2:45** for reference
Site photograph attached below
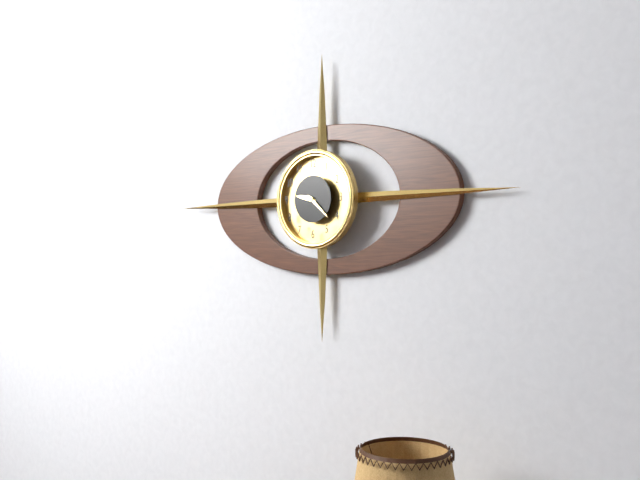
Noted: **9:22**
